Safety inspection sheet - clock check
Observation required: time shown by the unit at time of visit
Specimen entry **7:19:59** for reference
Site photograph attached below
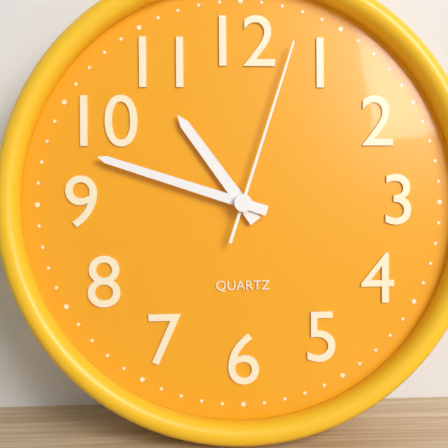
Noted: **10:48:03**
